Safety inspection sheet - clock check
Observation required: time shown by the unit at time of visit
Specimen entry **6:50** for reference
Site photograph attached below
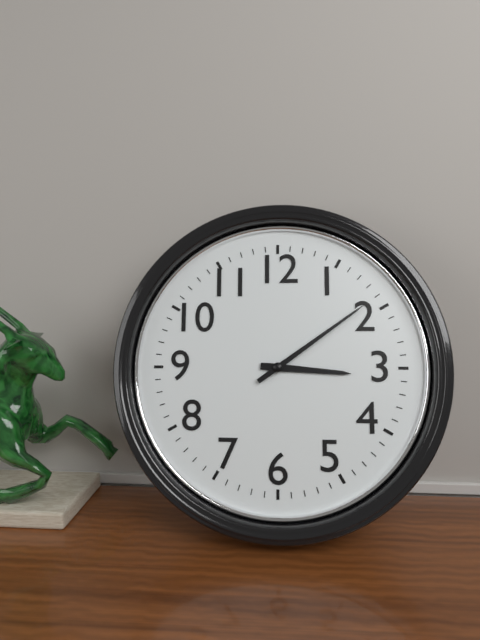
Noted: **3:09**
